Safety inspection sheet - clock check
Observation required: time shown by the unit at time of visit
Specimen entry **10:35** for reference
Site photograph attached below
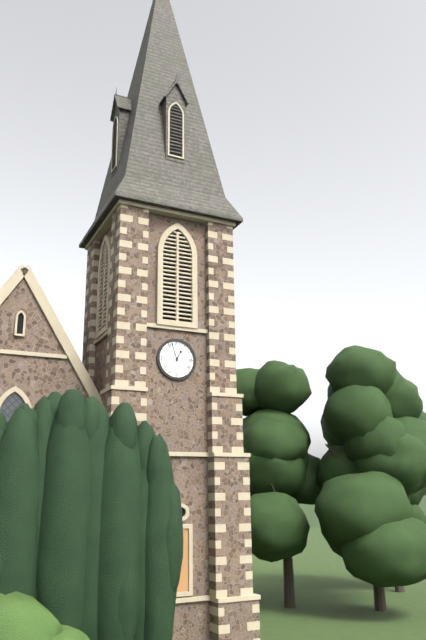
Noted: **12:57**
